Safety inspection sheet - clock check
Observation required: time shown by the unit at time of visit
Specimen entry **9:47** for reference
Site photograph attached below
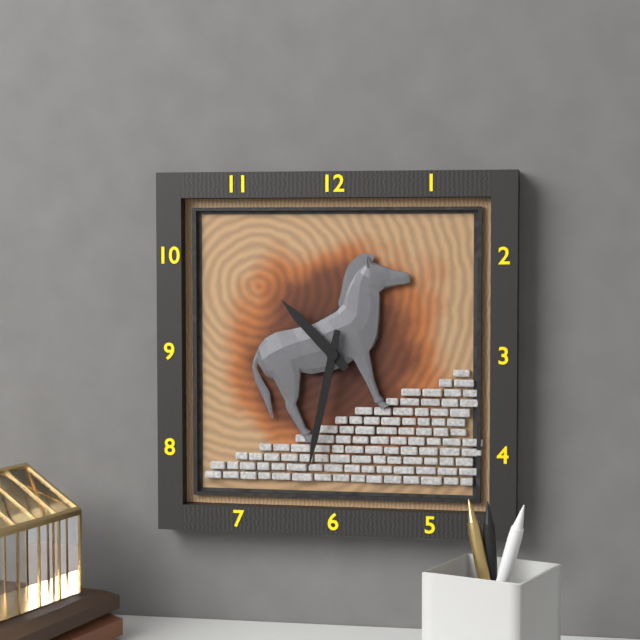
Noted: **10:32**
